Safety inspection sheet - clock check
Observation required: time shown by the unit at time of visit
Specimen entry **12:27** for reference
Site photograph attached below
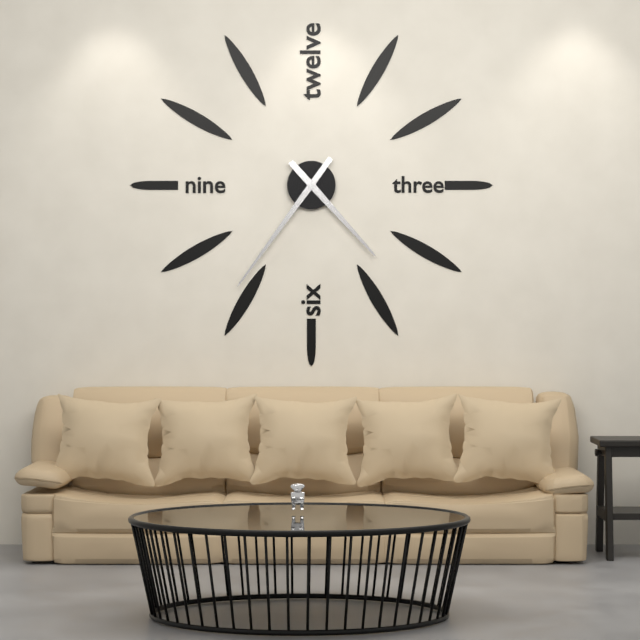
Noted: **4:36**
